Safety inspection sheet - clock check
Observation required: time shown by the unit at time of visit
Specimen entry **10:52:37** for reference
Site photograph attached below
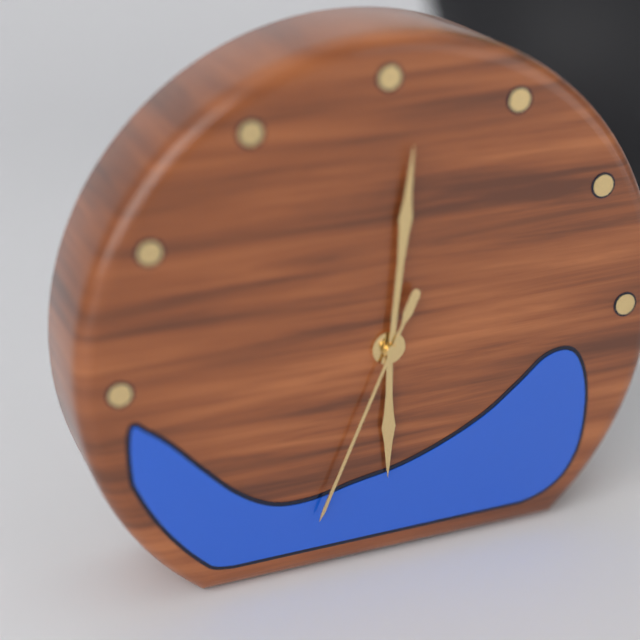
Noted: **6:01:34**
